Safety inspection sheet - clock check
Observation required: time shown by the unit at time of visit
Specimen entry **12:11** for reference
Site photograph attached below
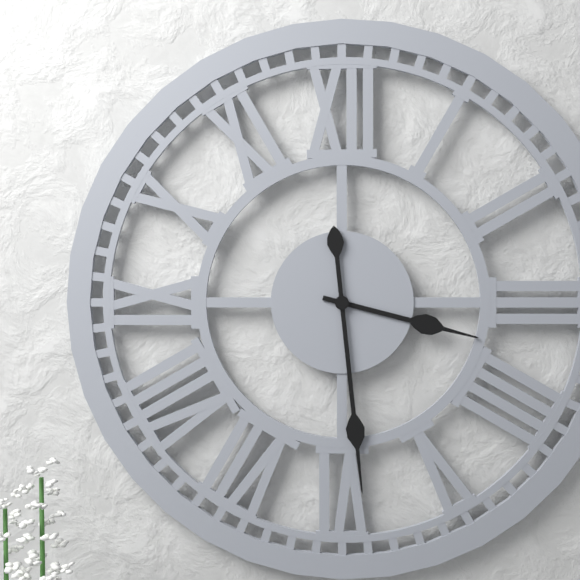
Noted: **3:29**
